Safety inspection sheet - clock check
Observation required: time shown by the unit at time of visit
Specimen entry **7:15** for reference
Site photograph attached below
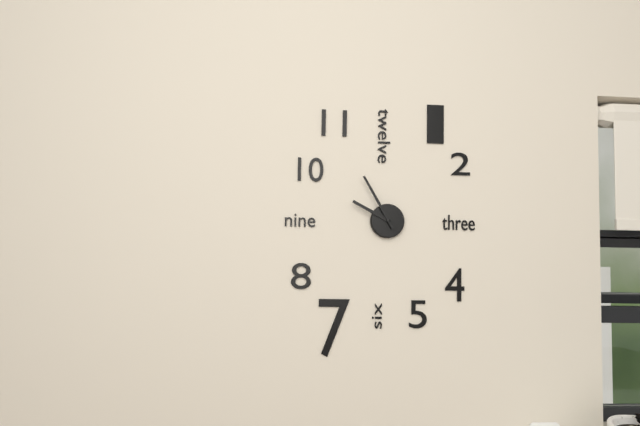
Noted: **9:55**
